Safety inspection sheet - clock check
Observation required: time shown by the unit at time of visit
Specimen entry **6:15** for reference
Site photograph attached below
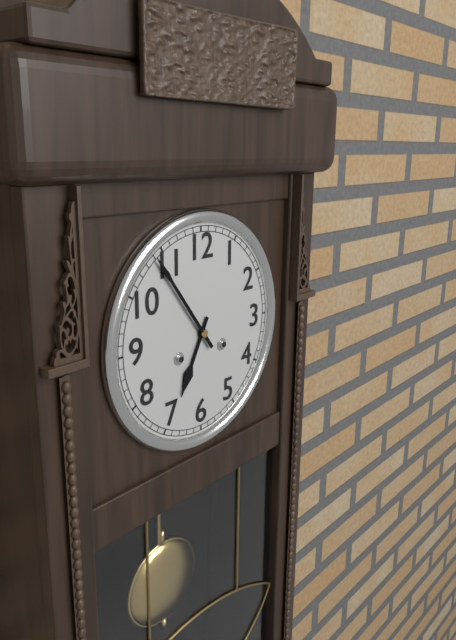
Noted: **6:54**
